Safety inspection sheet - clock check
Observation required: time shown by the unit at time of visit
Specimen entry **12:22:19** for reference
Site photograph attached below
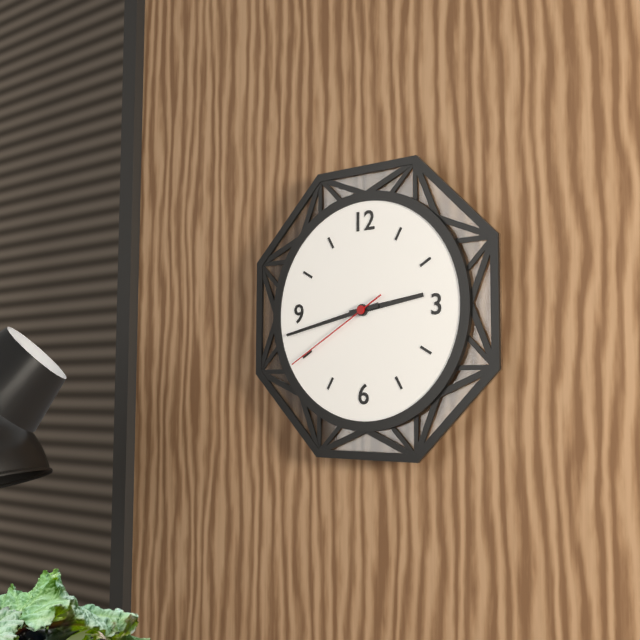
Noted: **2:43:40**
